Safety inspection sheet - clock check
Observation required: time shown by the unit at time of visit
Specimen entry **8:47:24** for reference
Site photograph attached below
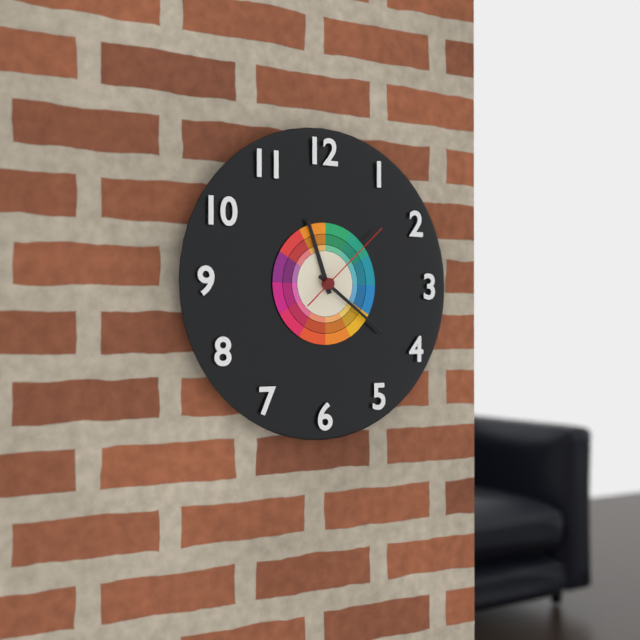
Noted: **11:21:08**
